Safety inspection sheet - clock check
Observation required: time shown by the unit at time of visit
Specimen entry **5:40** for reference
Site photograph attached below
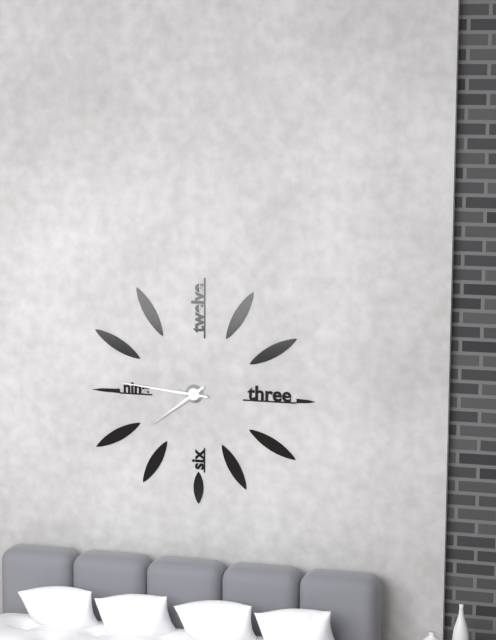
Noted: **7:46**
